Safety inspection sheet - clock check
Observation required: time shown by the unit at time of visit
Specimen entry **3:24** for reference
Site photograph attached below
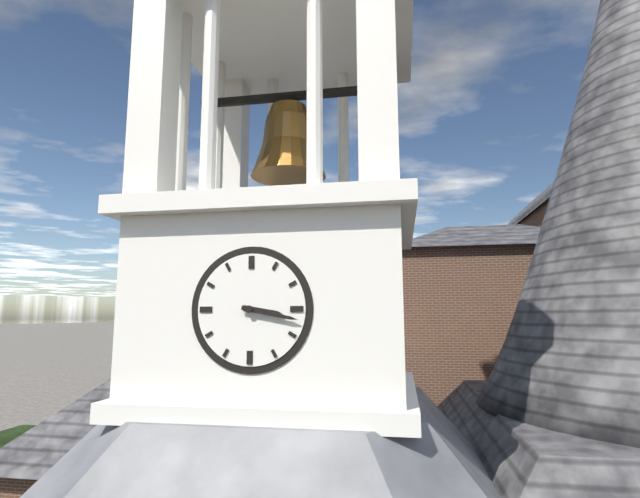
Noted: **3:17**
